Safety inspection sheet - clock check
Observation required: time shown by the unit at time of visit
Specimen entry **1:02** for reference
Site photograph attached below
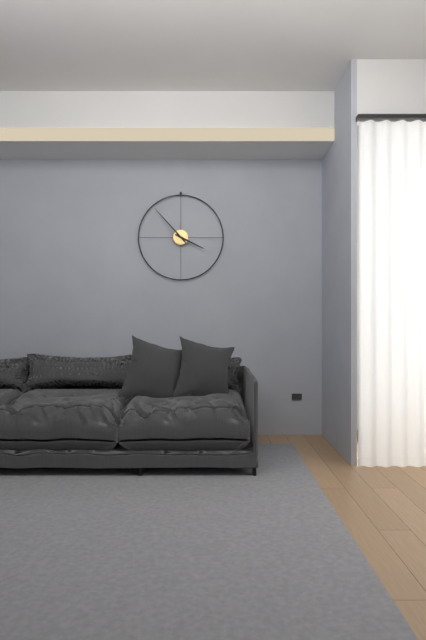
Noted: **3:53**
